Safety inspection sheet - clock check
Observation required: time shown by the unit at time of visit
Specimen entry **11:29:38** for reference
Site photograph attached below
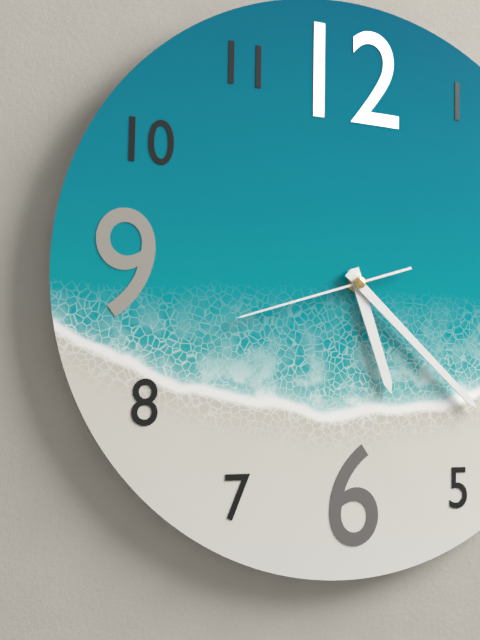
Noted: **5:22:42**
